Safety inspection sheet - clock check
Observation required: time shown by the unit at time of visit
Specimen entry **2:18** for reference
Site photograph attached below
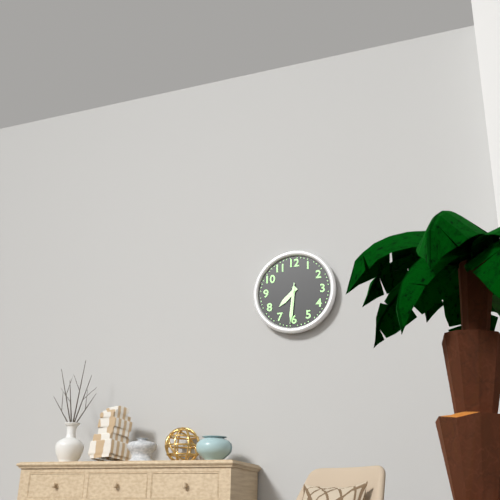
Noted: **7:31**
